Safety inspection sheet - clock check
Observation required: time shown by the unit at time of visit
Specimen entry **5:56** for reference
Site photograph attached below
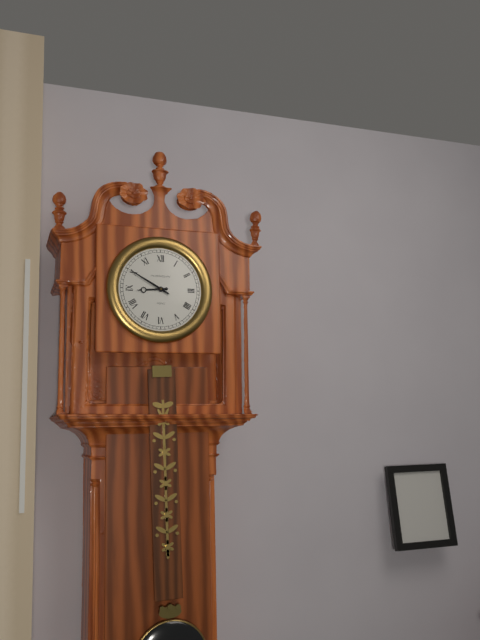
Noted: **8:50**
